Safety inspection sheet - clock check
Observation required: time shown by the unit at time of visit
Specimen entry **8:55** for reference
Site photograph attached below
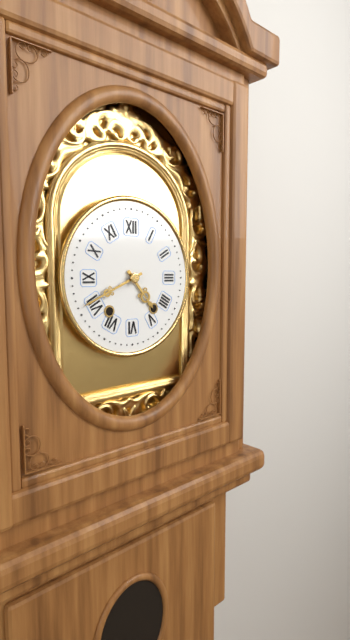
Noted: **4:41**
